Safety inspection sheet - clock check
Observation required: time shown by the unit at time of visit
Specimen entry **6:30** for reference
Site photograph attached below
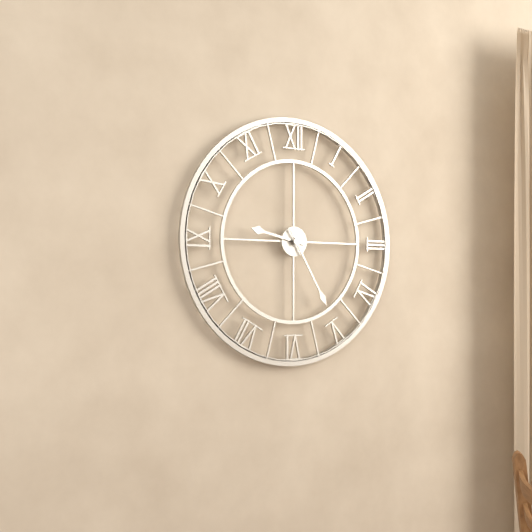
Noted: **9:25**
